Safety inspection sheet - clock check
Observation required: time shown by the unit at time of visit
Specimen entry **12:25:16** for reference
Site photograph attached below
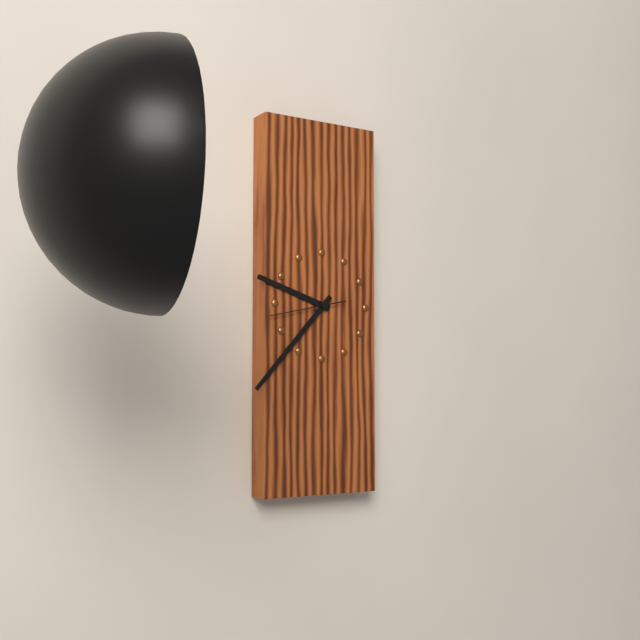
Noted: **9:37:43**
